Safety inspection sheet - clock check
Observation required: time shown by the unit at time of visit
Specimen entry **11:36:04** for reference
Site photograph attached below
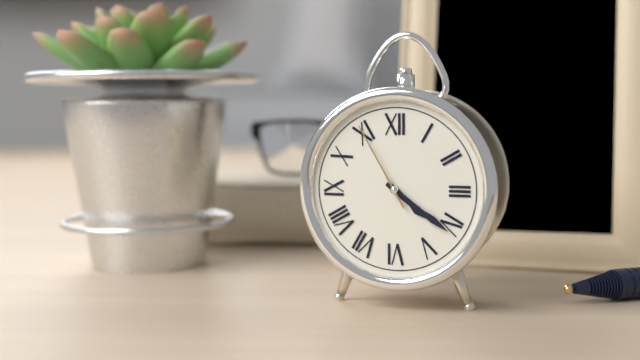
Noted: **4:21:55**
